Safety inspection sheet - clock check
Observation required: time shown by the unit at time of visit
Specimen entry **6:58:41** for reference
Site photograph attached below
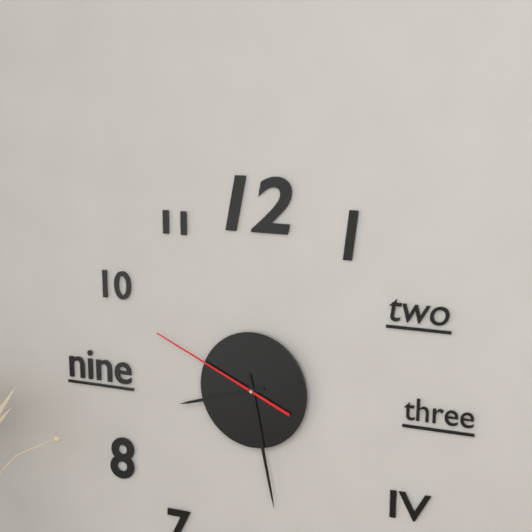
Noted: **8:28:49**
